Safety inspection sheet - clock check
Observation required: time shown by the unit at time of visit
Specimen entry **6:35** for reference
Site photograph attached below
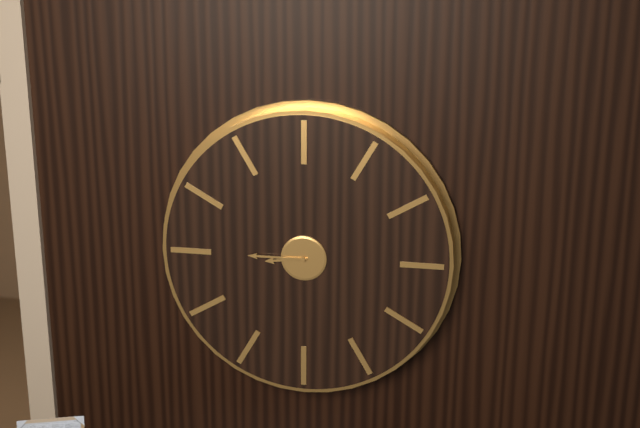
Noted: **8:45**
